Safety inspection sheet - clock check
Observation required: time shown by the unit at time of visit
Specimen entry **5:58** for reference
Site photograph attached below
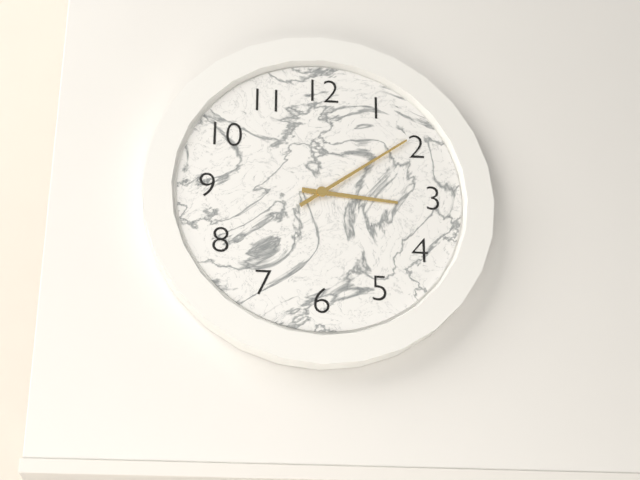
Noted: **3:09**
